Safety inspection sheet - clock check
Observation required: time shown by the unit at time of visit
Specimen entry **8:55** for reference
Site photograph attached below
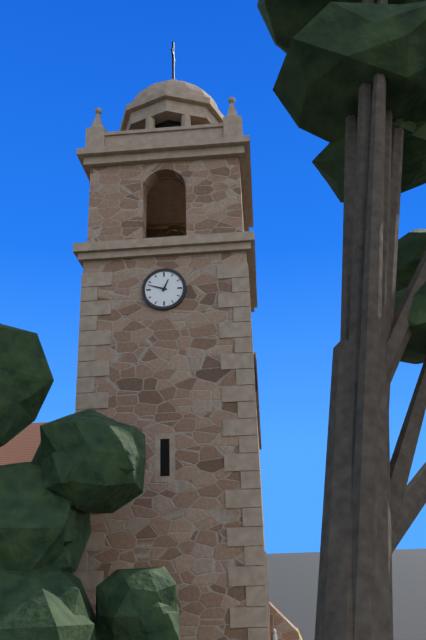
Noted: **12:48**
